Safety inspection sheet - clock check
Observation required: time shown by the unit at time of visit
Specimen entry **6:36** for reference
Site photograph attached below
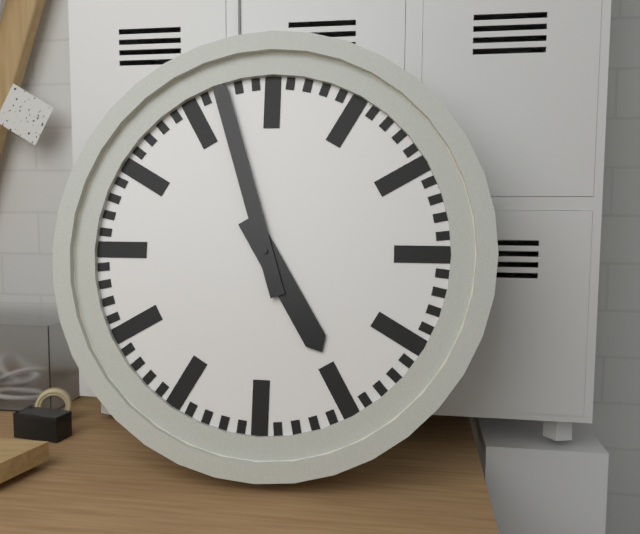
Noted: **4:57**
